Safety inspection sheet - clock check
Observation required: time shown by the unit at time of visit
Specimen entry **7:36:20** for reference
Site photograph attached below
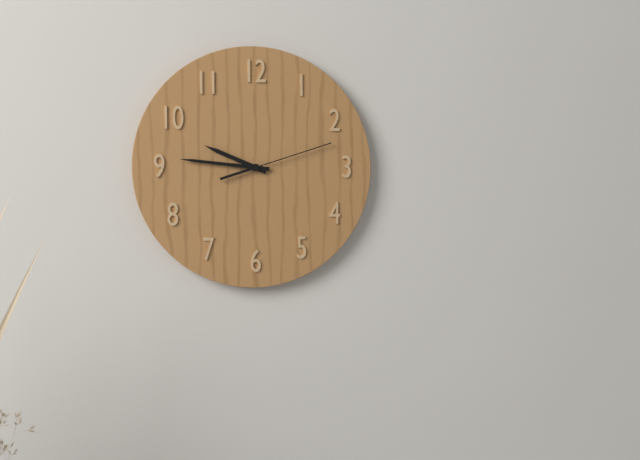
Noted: **9:46:12**
